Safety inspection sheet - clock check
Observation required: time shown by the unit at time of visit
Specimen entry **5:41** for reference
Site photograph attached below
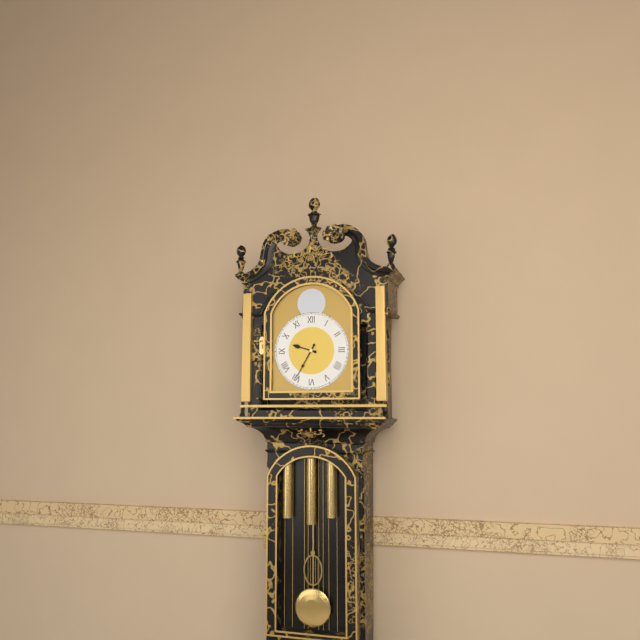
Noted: **9:35**
